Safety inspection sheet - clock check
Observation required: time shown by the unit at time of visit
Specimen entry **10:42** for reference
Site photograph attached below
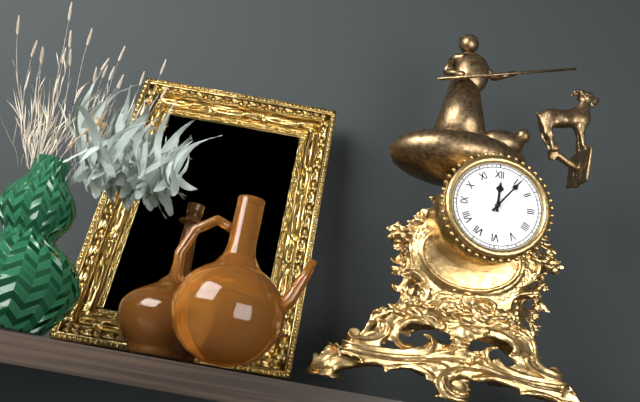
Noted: **12:06**
